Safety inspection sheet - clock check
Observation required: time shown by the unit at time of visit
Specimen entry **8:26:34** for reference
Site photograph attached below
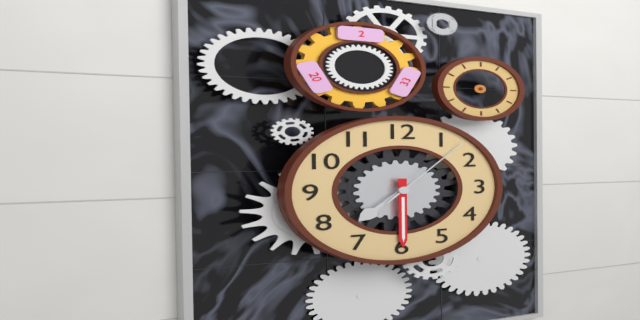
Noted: **7:30:07**
